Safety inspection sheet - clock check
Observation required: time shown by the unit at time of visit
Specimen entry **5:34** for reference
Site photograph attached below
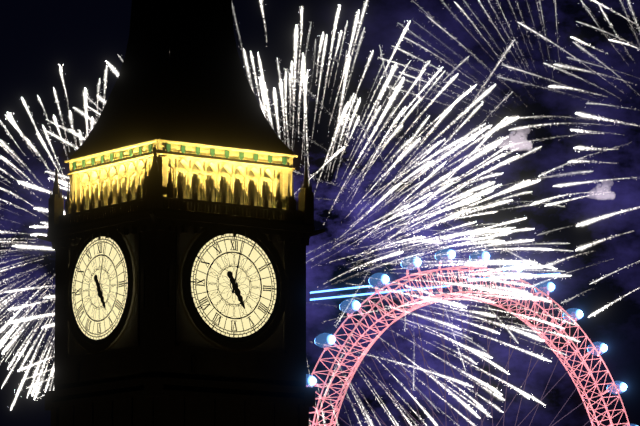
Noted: **5:02**
